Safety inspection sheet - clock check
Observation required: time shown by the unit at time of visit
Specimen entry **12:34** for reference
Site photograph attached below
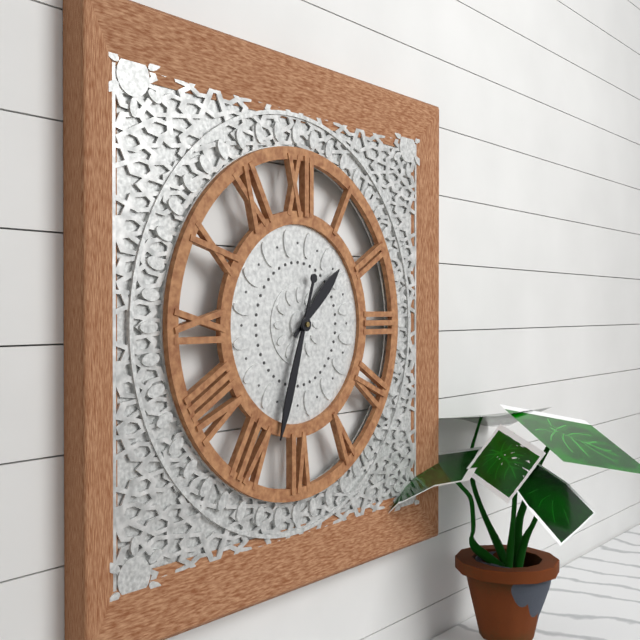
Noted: **1:33**
